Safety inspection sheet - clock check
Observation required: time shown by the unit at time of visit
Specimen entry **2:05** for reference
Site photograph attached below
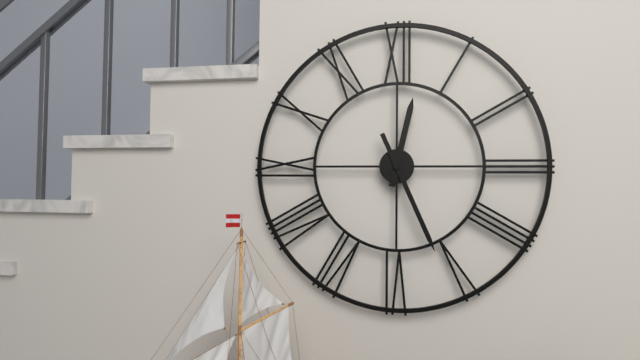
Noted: **12:26**
